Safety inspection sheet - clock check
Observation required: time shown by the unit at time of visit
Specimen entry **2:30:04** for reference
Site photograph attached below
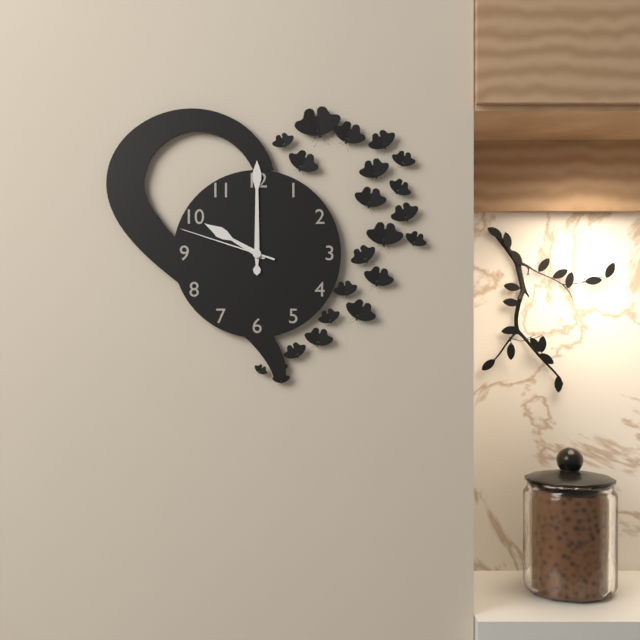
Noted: **10:00:48**
